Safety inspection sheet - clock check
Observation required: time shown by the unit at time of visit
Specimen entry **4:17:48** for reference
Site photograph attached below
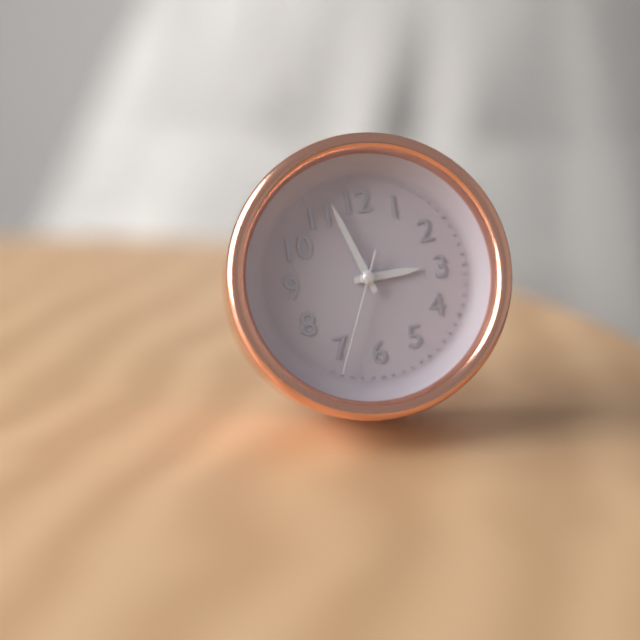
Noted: **2:57:34**
